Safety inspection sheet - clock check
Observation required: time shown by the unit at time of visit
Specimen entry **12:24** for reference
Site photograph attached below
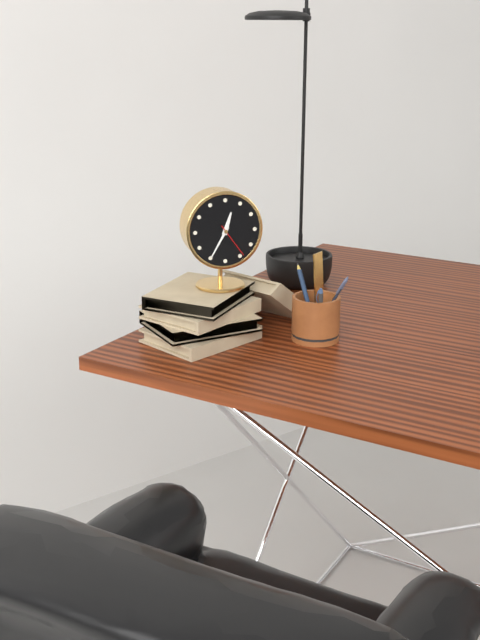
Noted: **12:35**
